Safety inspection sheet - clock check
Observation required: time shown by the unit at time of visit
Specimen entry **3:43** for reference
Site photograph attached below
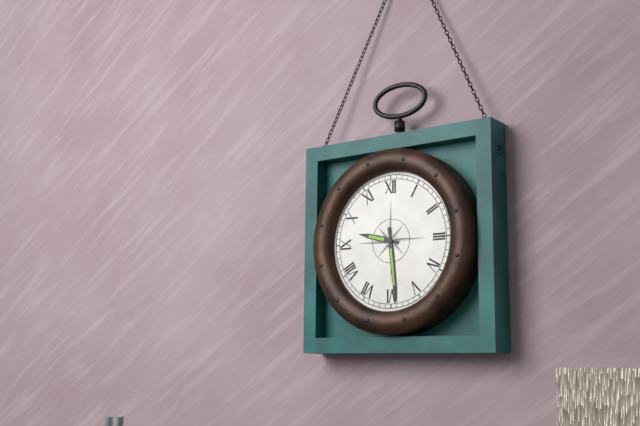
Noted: **9:29**
